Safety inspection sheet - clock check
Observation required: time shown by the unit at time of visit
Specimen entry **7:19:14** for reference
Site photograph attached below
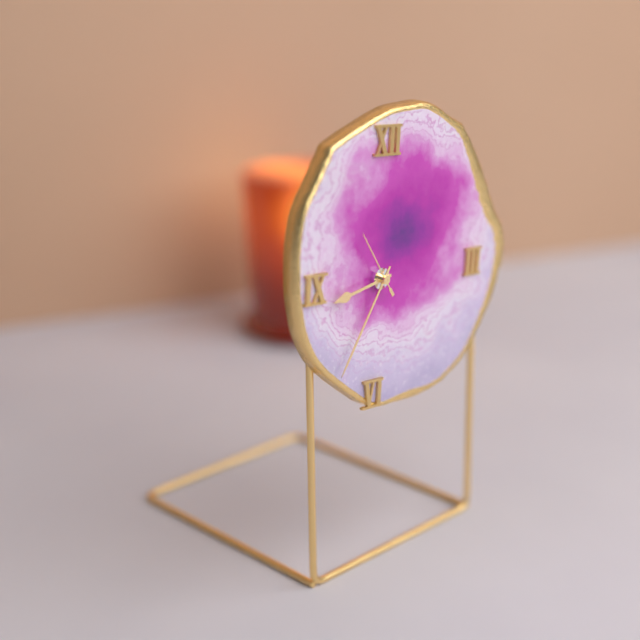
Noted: **8:35:54**
